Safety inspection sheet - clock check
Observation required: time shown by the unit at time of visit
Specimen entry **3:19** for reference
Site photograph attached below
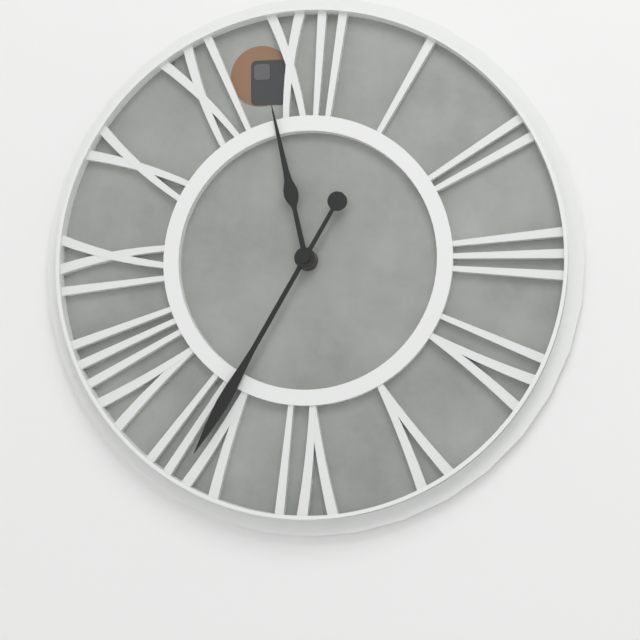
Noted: **11:35**
